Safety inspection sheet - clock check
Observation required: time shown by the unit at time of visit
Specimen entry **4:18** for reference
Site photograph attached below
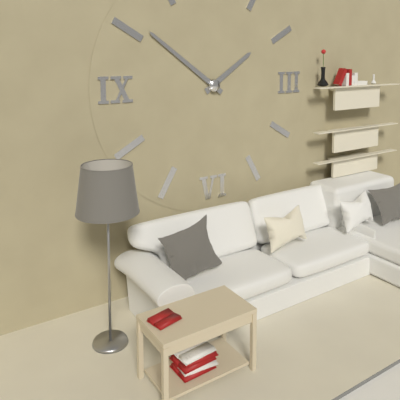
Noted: **1:51**
